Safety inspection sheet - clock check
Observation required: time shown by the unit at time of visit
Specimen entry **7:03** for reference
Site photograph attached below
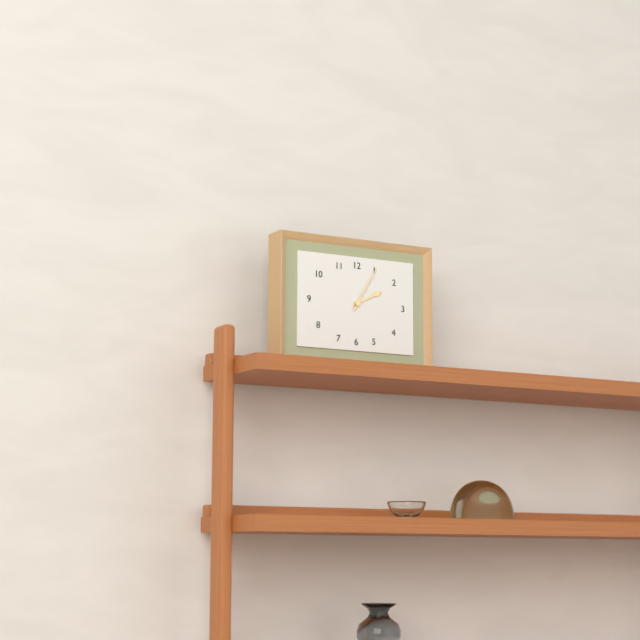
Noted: **2:05**
